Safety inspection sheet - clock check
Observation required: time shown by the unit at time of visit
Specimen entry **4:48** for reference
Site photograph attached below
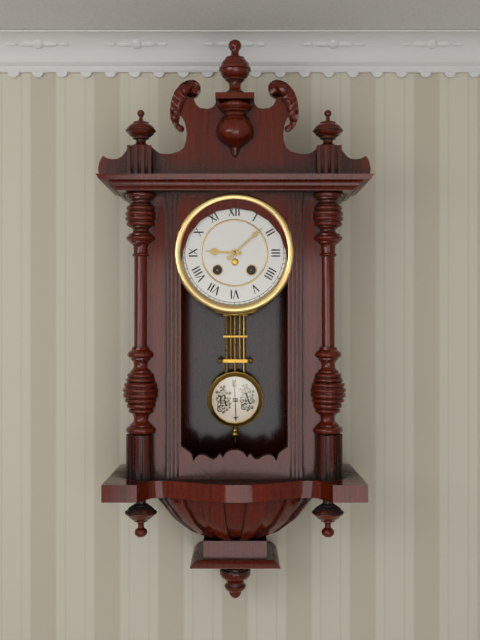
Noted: **9:08**
